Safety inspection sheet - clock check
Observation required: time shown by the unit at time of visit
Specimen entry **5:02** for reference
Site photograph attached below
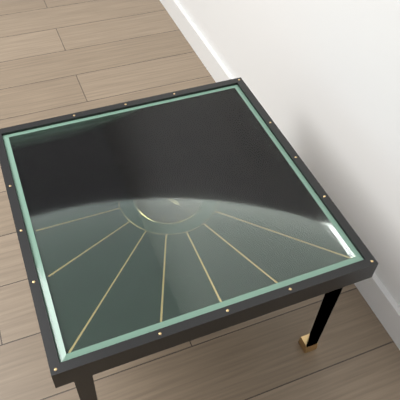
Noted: **2:00**
